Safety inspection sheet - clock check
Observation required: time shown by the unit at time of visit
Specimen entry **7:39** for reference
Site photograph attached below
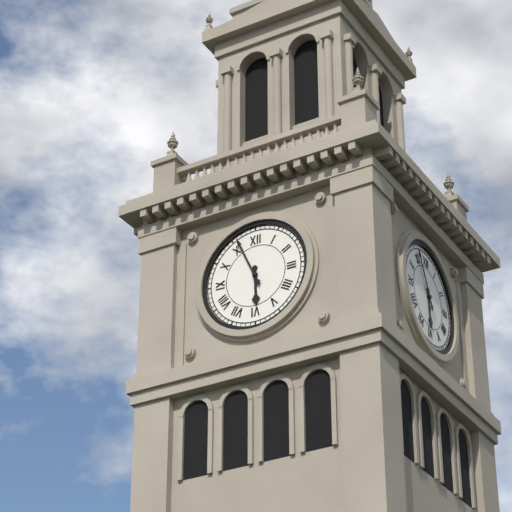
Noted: **5:56**
